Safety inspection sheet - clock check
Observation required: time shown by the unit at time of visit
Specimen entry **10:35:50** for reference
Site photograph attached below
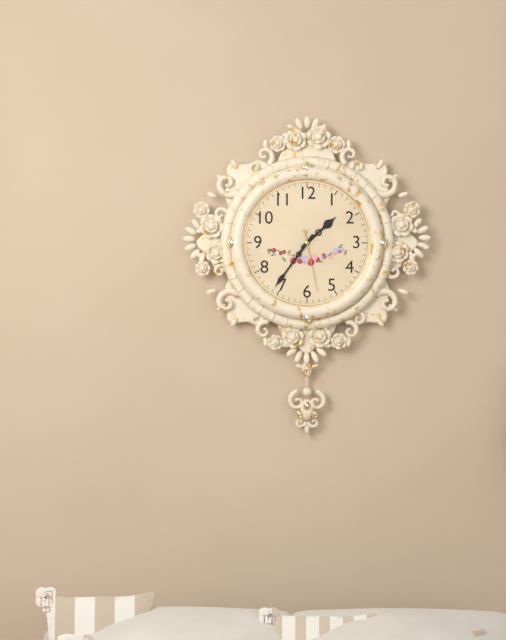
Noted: **1:36:28**
